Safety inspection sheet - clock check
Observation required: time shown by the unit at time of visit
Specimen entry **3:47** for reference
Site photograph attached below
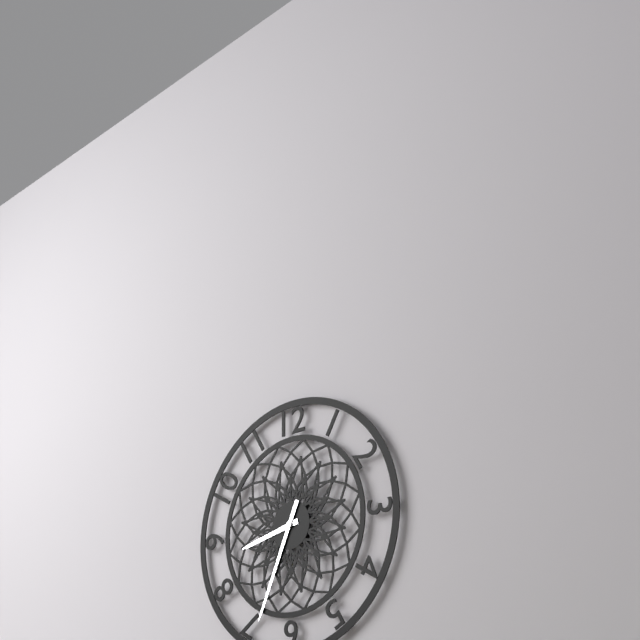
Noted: **8:34**
